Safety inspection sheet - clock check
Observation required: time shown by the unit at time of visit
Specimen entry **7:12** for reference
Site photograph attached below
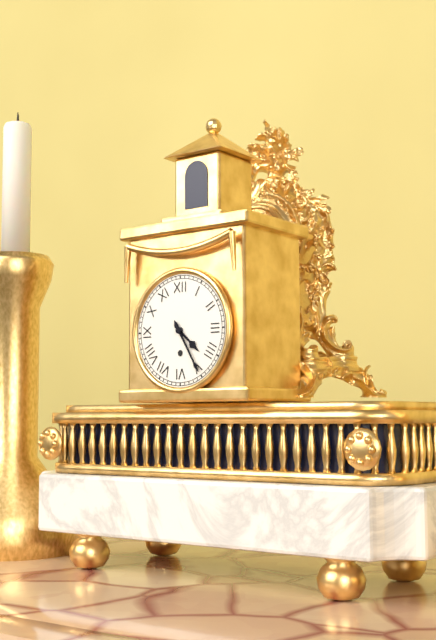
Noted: **4:25**
